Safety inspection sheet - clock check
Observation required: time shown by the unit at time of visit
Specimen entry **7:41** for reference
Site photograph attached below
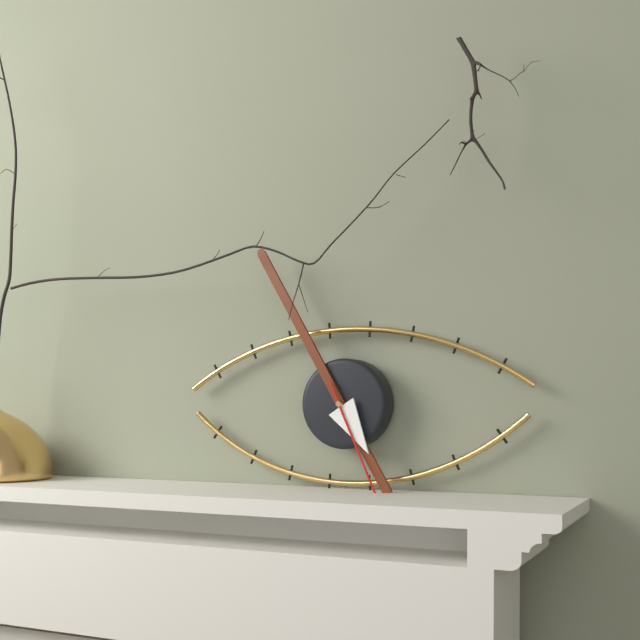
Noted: **4:55**
